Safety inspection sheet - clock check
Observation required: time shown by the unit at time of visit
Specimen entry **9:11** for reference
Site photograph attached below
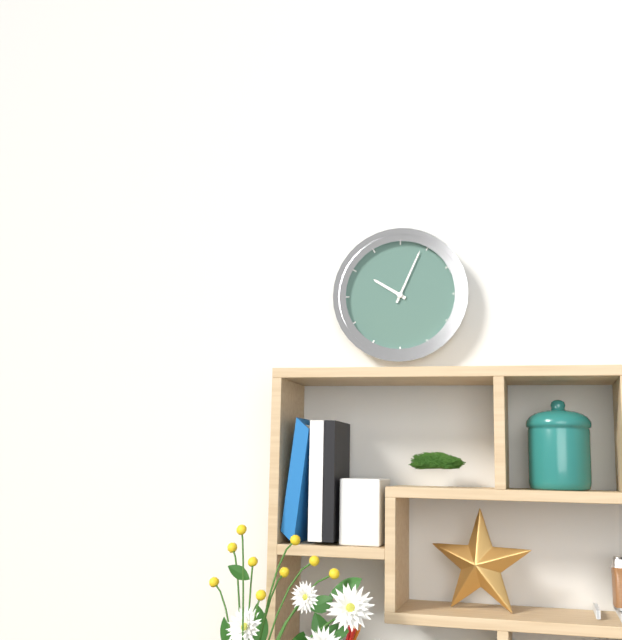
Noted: **10:04**
